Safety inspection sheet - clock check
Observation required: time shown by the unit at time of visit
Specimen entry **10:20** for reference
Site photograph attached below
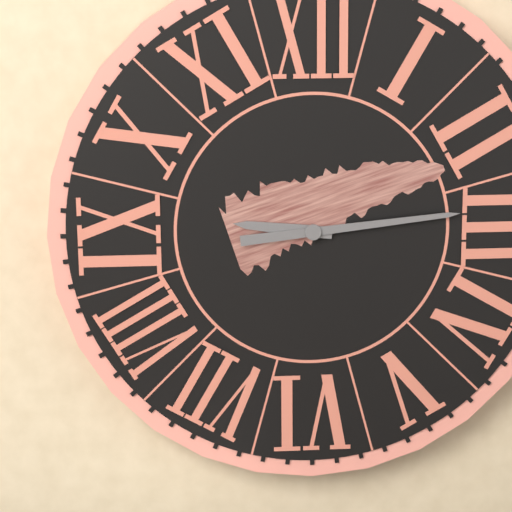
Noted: **9:14**
